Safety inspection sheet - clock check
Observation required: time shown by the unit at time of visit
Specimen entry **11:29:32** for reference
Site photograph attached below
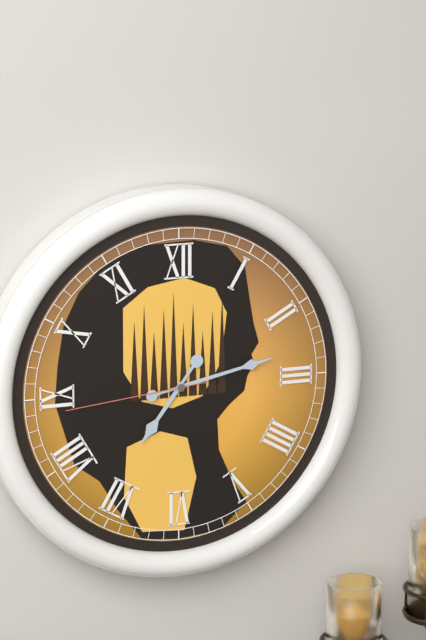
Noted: **7:13:44**
